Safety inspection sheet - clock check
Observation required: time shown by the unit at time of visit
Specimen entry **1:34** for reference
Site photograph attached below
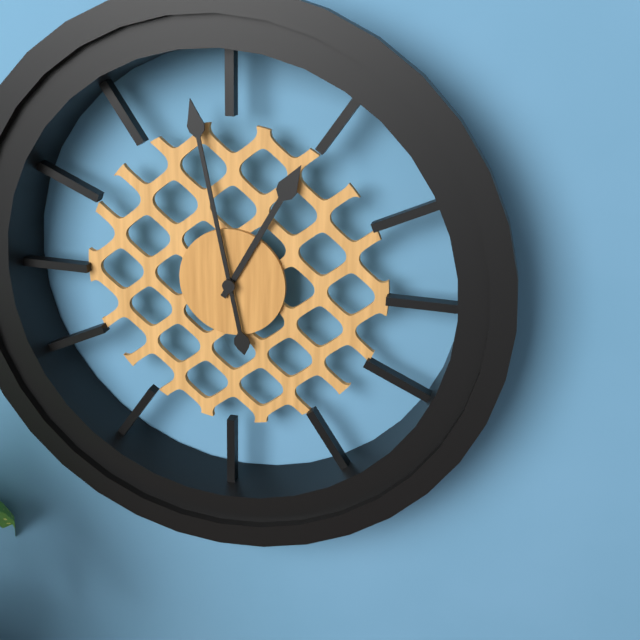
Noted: **12:58**
